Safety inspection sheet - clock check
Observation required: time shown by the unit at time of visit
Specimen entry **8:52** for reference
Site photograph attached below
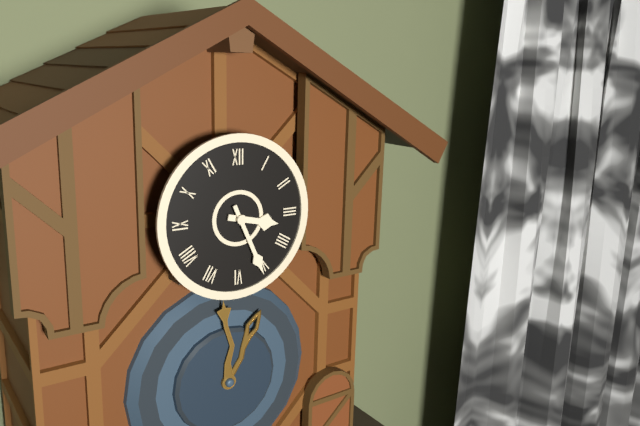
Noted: **3:26**
